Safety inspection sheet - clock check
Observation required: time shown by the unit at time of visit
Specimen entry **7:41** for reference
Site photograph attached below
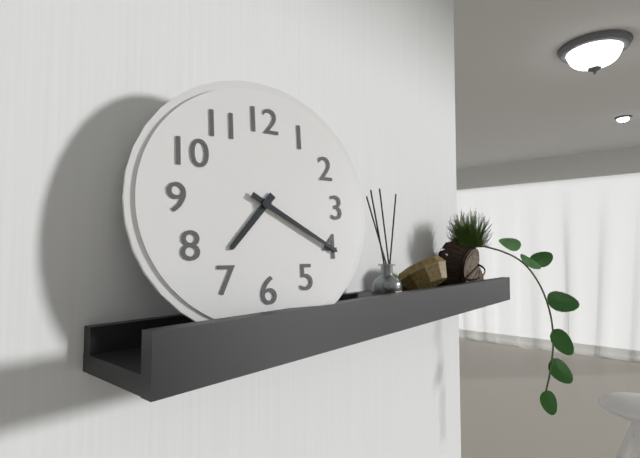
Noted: **7:20**
